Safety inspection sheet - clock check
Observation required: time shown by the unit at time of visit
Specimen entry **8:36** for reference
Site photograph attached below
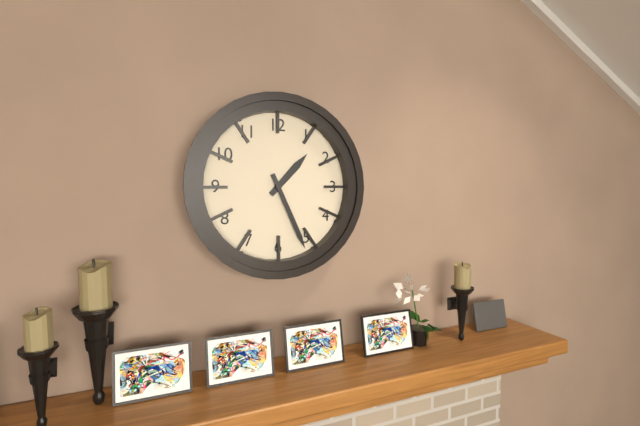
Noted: **1:26**
